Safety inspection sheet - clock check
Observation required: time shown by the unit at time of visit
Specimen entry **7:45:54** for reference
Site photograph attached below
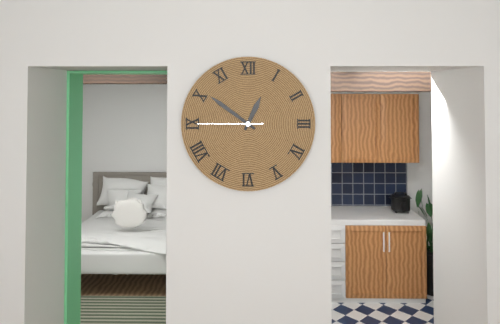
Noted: **12:51:45**
